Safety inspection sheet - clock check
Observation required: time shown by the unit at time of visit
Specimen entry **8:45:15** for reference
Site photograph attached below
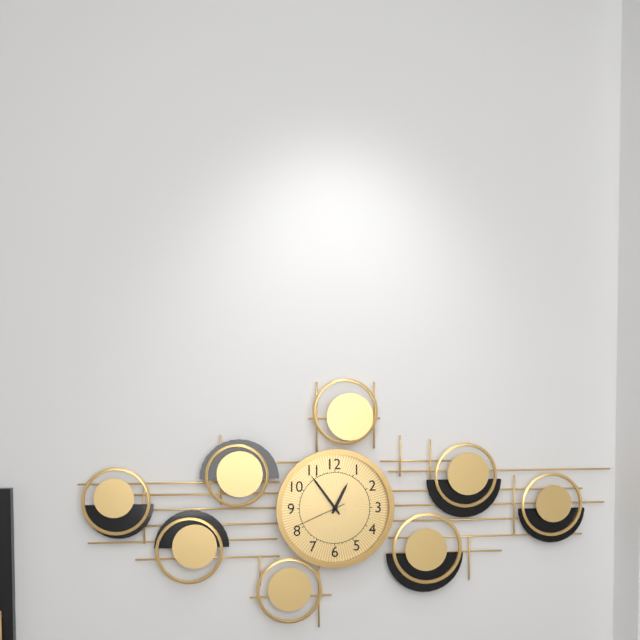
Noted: **12:54:41**
